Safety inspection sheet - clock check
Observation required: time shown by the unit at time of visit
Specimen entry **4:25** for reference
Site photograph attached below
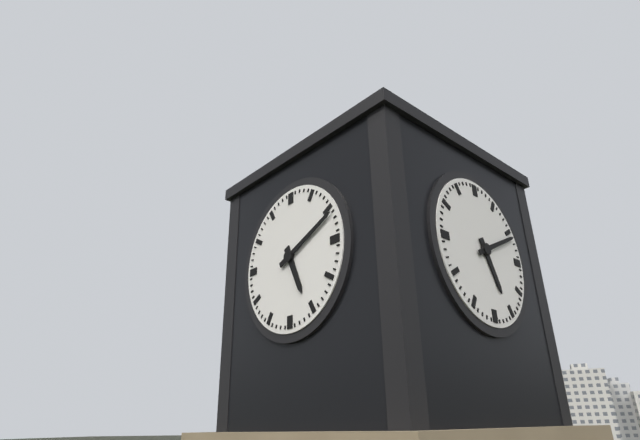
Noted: **5:11**
